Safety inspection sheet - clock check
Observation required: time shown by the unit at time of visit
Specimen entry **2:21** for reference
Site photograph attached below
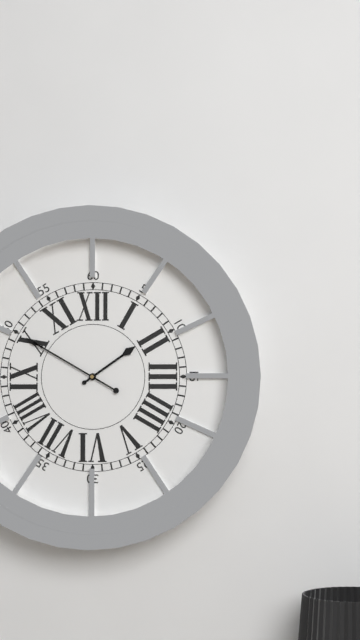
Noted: **1:50**
